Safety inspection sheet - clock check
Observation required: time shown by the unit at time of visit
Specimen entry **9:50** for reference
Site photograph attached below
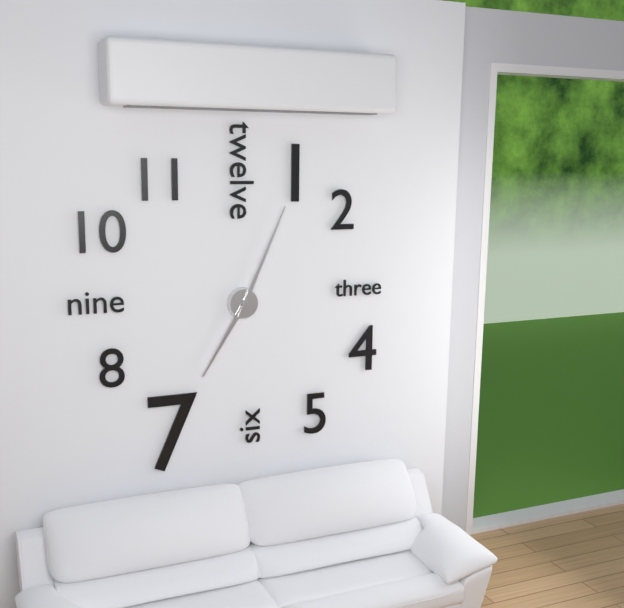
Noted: **7:04**
